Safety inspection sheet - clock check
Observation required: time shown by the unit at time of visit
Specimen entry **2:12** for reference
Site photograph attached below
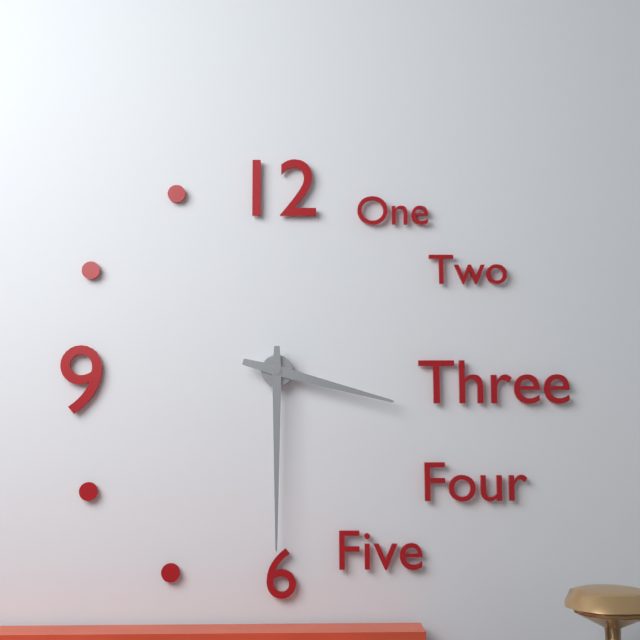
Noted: **3:30**
